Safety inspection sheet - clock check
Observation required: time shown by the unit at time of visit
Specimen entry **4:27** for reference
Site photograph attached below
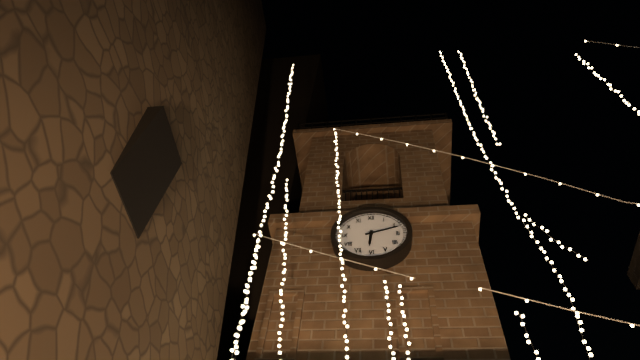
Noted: **6:12**
